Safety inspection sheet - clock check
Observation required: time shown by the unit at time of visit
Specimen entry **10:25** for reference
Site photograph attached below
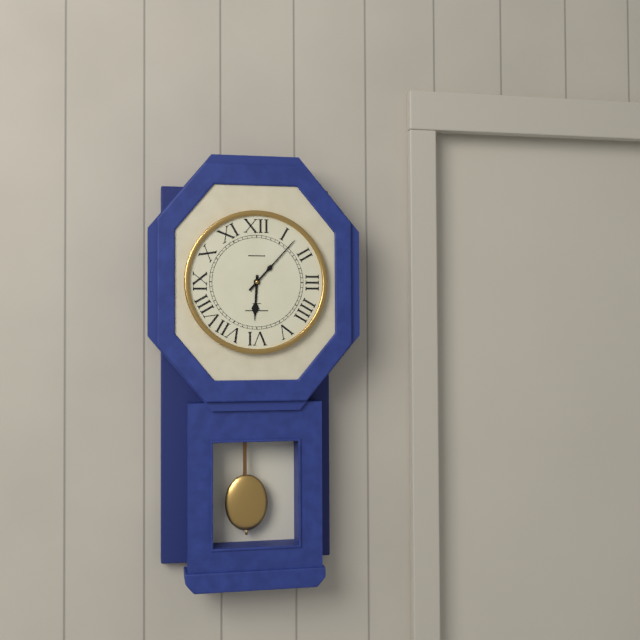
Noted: **6:07**
